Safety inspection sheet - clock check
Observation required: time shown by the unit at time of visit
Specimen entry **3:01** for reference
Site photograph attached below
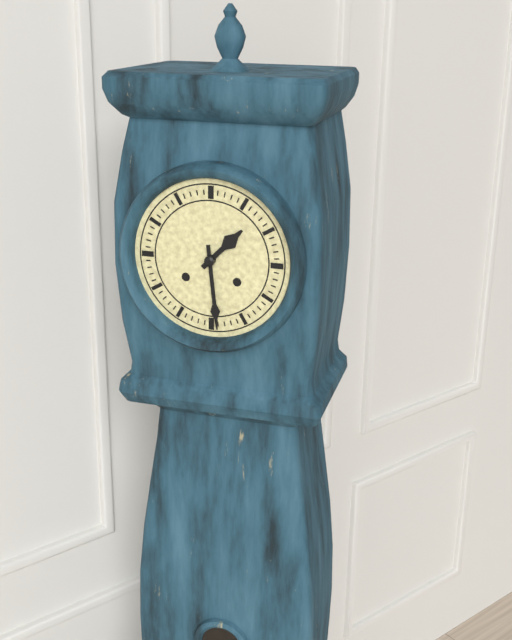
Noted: **1:29**
